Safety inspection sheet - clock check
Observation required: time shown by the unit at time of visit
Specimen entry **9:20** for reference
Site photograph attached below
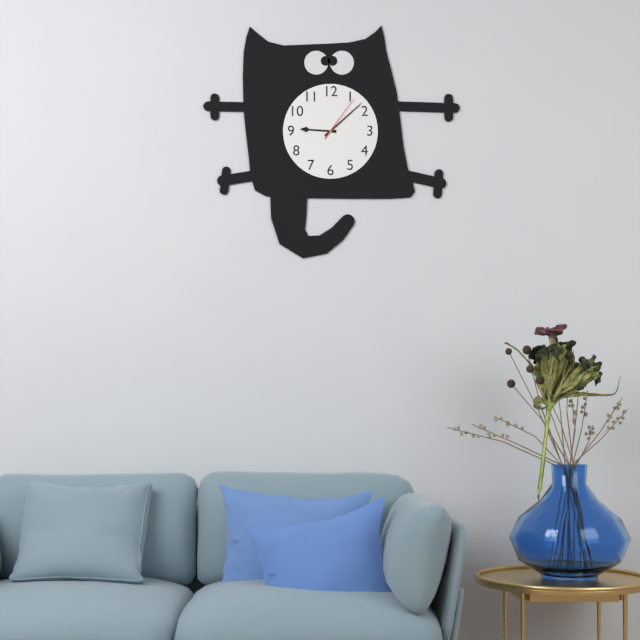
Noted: **9:08**
